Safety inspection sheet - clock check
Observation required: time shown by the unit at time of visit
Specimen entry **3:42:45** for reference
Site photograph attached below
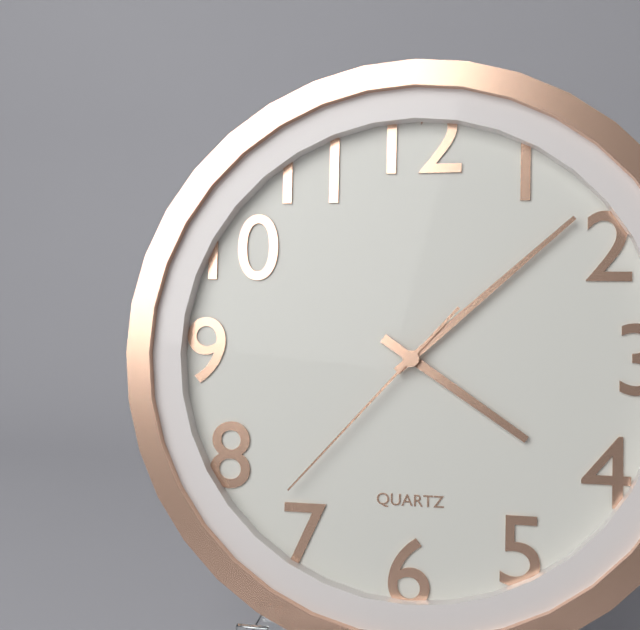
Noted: **4:08:37**
